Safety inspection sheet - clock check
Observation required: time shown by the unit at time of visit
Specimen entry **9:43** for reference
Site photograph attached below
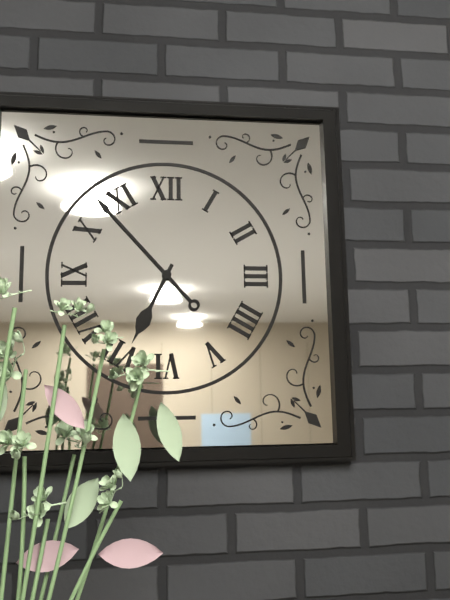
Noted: **6:53**
